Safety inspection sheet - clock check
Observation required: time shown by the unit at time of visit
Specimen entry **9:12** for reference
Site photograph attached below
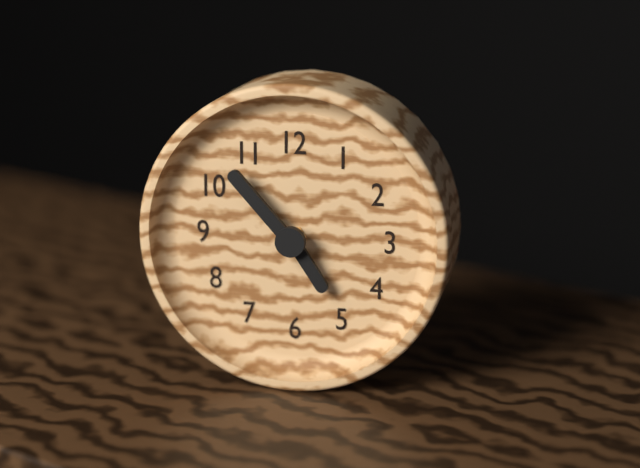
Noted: **4:53**
